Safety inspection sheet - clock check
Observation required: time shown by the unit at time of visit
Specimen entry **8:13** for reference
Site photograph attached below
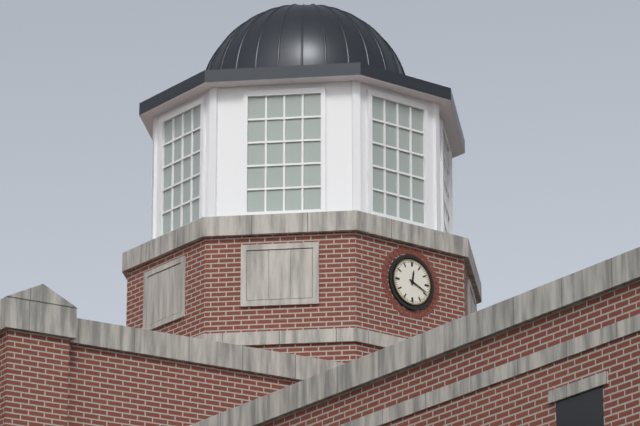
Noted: **12:19**
